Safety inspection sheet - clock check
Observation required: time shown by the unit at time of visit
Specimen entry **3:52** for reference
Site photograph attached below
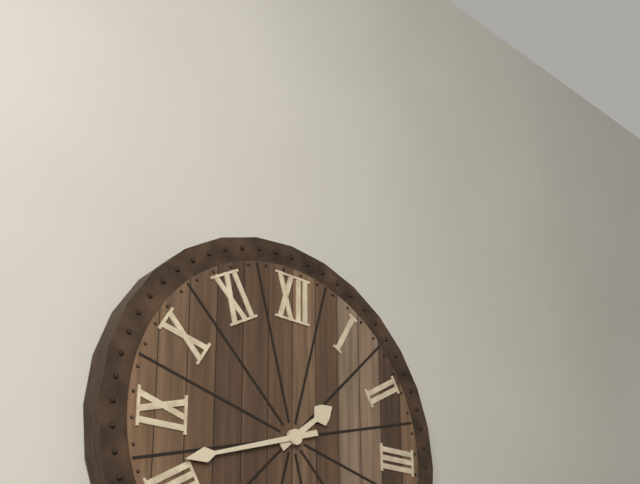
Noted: **1:42**
